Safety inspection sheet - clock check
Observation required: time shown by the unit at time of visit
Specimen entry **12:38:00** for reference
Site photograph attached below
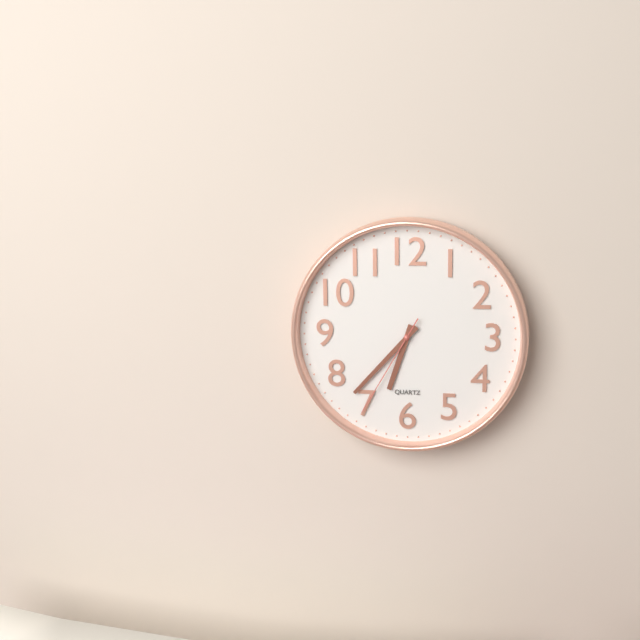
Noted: **6:37:35**
